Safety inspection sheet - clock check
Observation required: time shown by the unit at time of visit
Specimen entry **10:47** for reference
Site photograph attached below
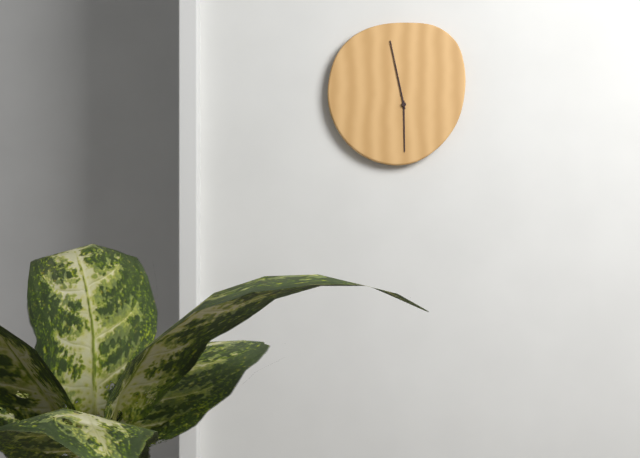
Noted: **5:58**
